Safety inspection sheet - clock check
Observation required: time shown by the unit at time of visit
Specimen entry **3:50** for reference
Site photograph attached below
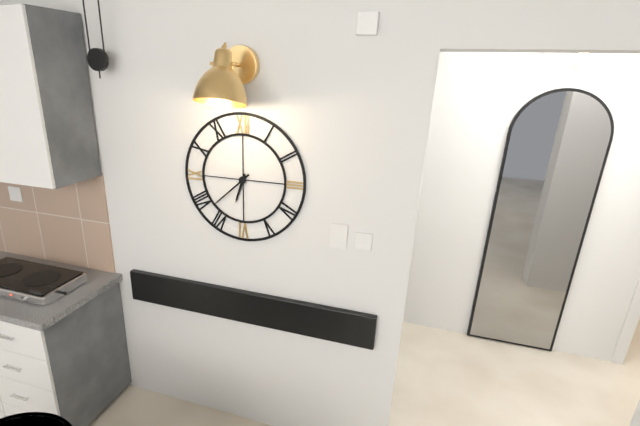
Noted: **6:38**
